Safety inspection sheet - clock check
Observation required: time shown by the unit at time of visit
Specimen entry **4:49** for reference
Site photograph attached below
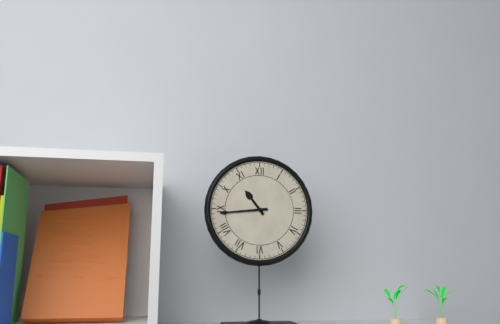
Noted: **10:44**
